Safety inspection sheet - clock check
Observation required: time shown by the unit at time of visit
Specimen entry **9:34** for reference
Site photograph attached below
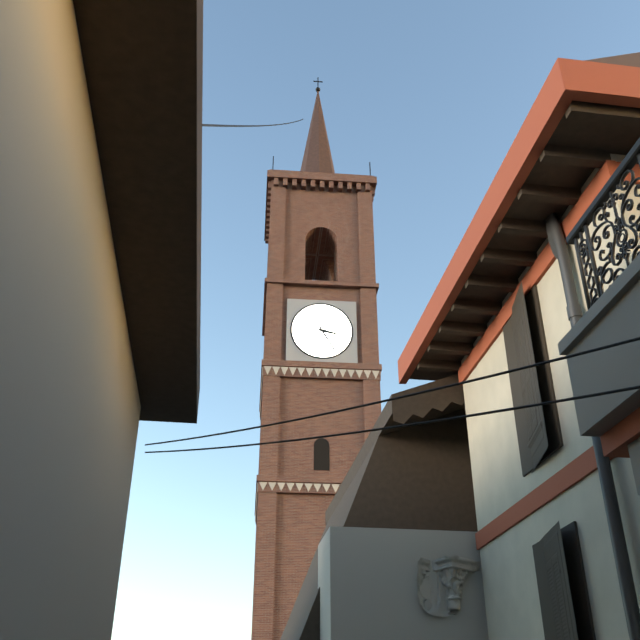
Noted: **3:25**
